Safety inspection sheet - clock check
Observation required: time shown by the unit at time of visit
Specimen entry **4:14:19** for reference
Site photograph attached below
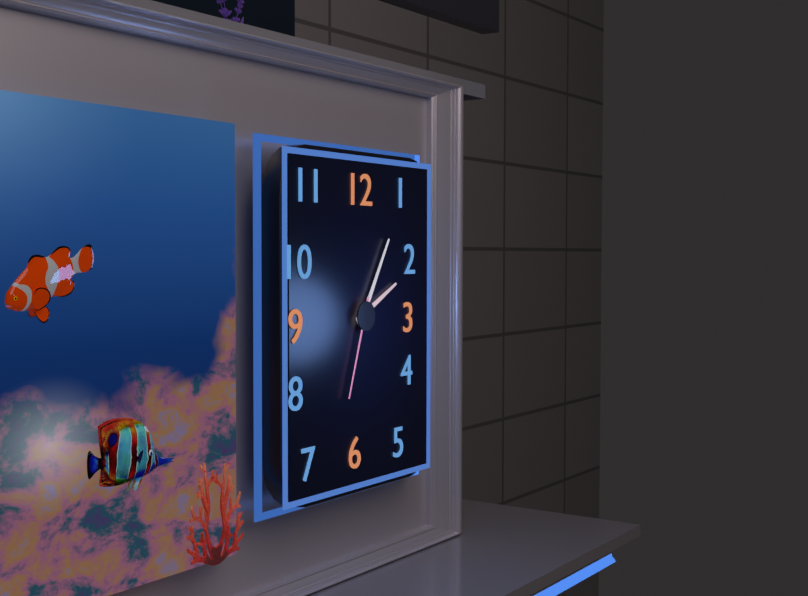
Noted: **2:05:33**
